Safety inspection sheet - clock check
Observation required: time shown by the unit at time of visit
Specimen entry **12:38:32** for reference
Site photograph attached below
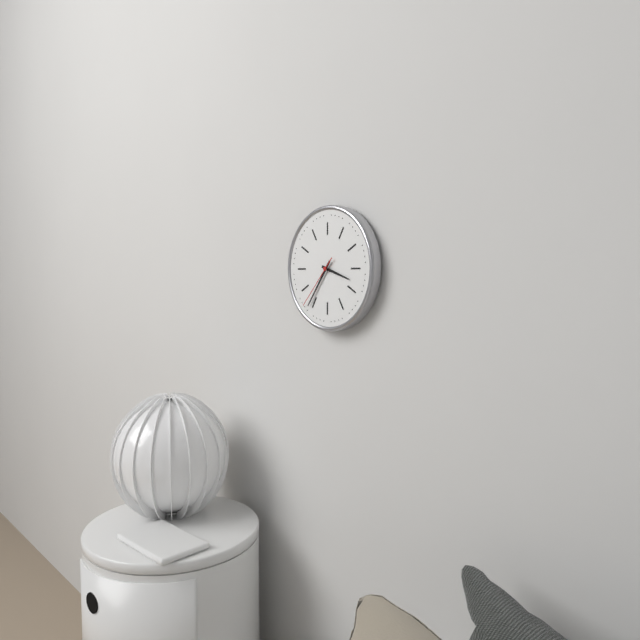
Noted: **3:36:37**
